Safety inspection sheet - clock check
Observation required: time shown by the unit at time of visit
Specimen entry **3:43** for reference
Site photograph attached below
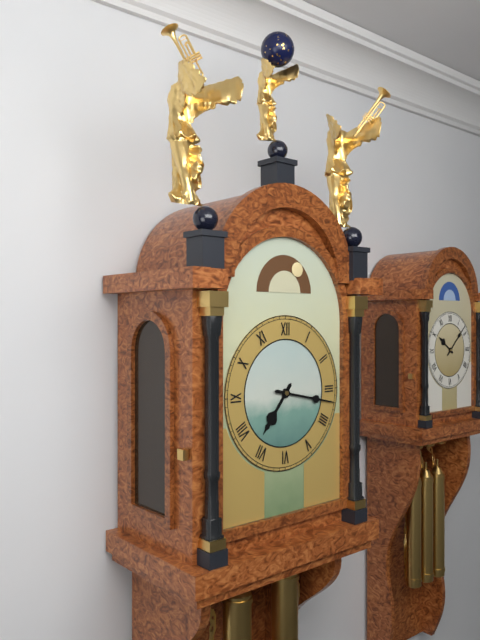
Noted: **7:17**
